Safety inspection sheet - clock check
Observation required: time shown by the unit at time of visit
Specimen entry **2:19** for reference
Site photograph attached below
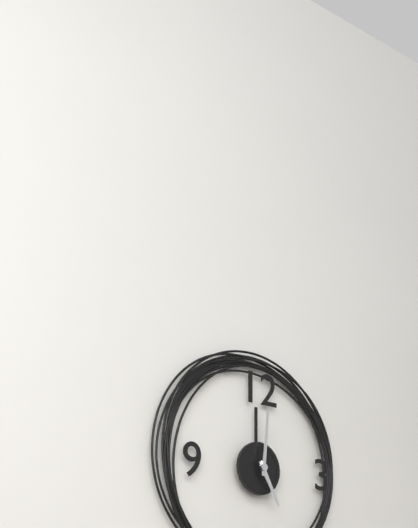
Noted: **5:01**
